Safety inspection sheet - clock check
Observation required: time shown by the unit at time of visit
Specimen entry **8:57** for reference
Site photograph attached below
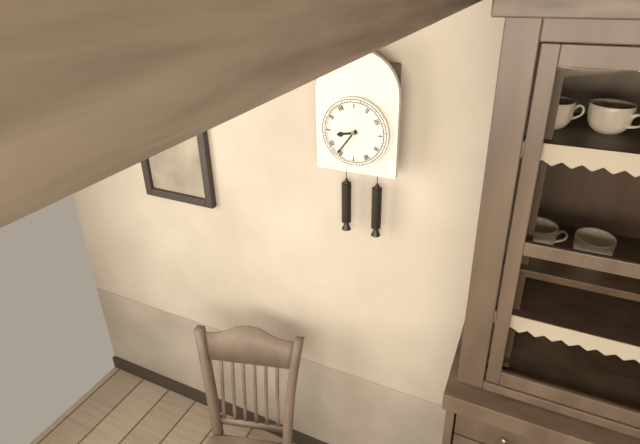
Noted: **8:36**
